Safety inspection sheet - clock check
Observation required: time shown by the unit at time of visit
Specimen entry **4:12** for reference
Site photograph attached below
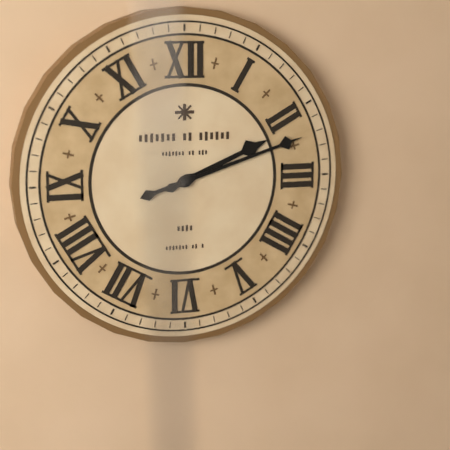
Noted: **2:12**
